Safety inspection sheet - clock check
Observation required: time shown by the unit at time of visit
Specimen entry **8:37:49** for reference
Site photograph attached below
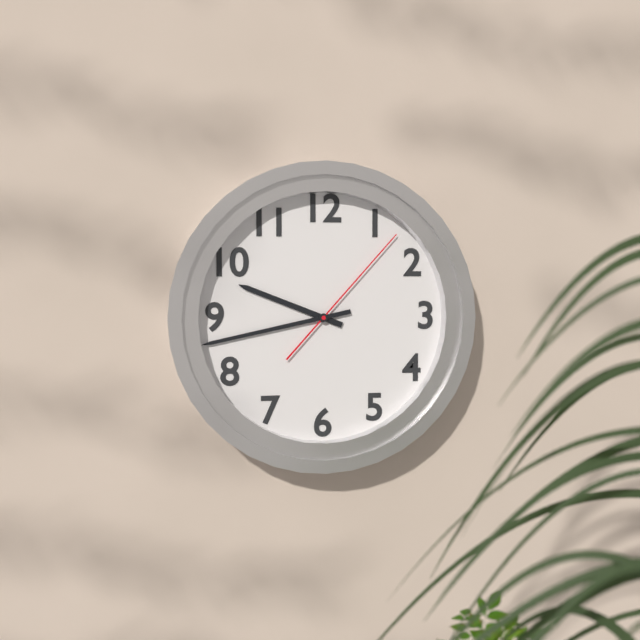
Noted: **9:43:07**
